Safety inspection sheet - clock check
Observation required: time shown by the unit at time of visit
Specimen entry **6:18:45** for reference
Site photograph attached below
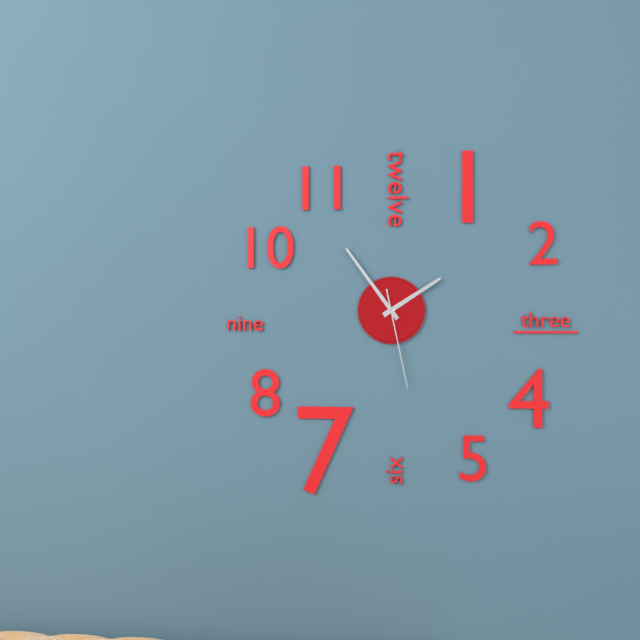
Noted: **1:54:28**
